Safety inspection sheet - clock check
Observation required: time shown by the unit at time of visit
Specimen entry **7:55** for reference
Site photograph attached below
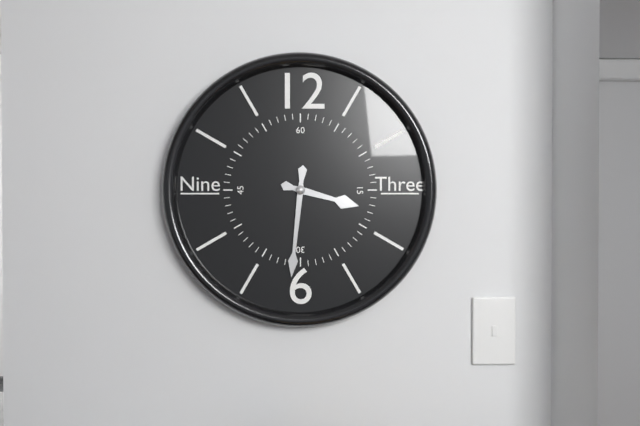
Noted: **3:31**
